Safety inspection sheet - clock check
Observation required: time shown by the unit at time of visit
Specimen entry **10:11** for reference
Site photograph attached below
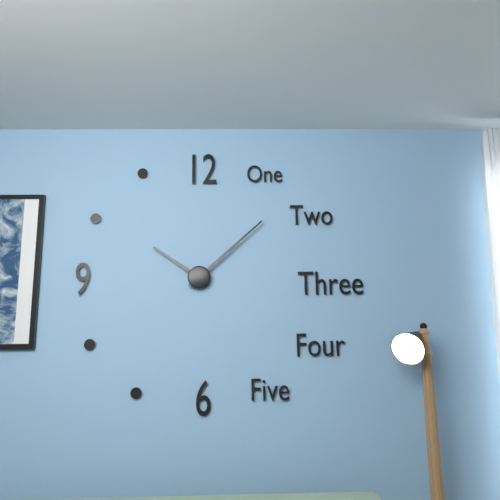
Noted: **10:08**
